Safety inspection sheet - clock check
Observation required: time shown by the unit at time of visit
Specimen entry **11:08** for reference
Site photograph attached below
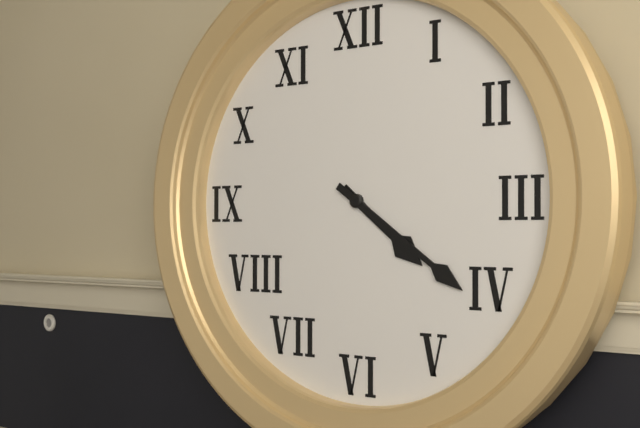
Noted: **4:21**
